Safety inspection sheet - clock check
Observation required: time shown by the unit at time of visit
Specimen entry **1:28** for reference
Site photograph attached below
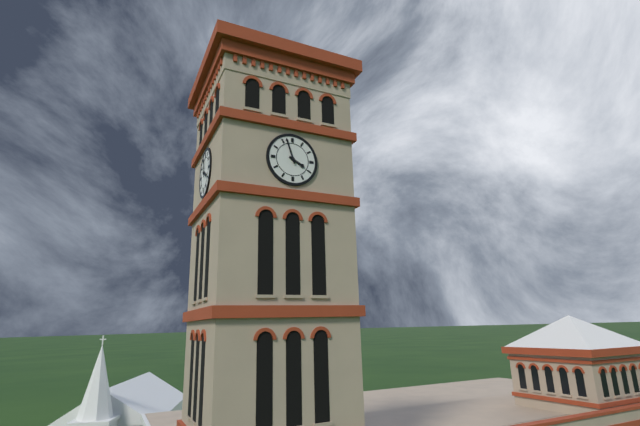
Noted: **3:57**
